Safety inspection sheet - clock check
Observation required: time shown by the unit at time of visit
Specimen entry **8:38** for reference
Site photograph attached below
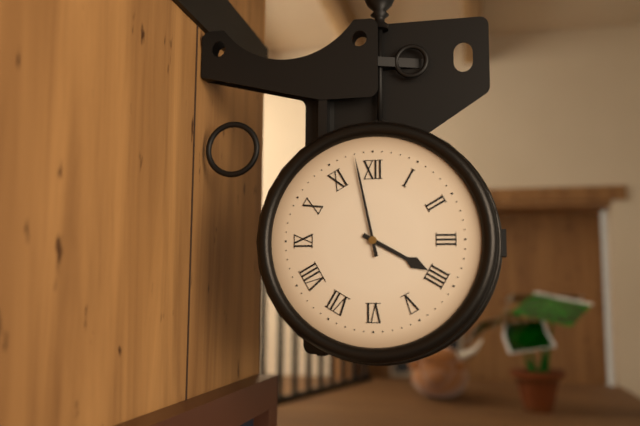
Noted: **3:58**
